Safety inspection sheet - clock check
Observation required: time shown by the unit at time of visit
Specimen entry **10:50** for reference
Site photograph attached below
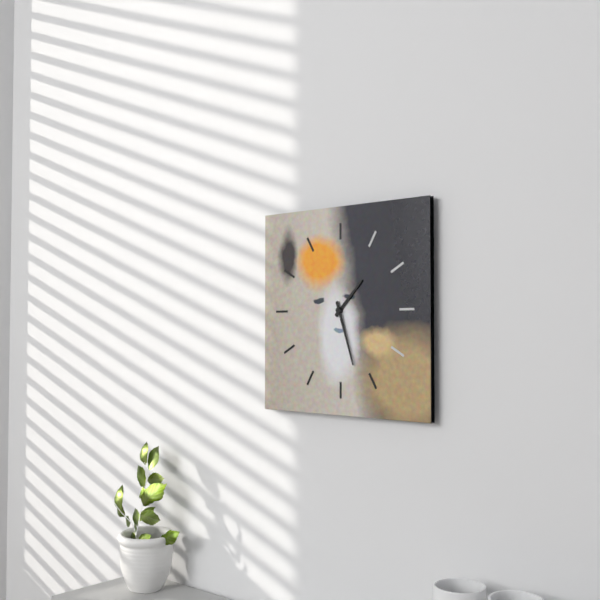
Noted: **1:27**
